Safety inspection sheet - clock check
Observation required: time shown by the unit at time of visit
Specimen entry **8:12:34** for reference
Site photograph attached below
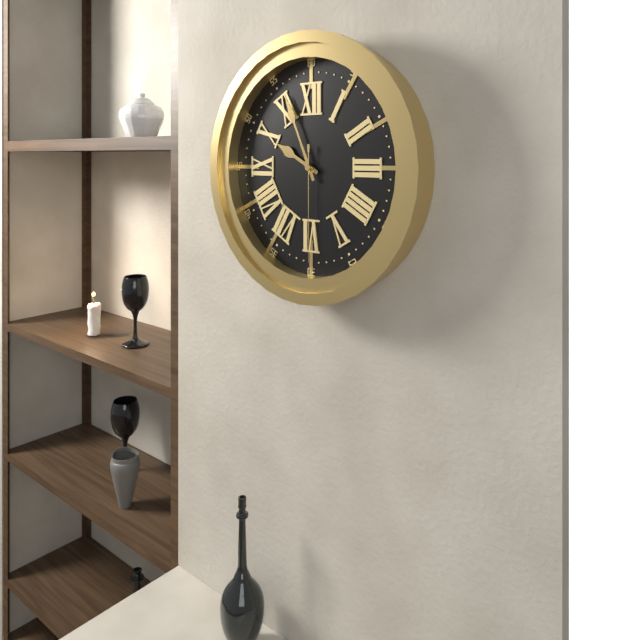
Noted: **9:56:30**
